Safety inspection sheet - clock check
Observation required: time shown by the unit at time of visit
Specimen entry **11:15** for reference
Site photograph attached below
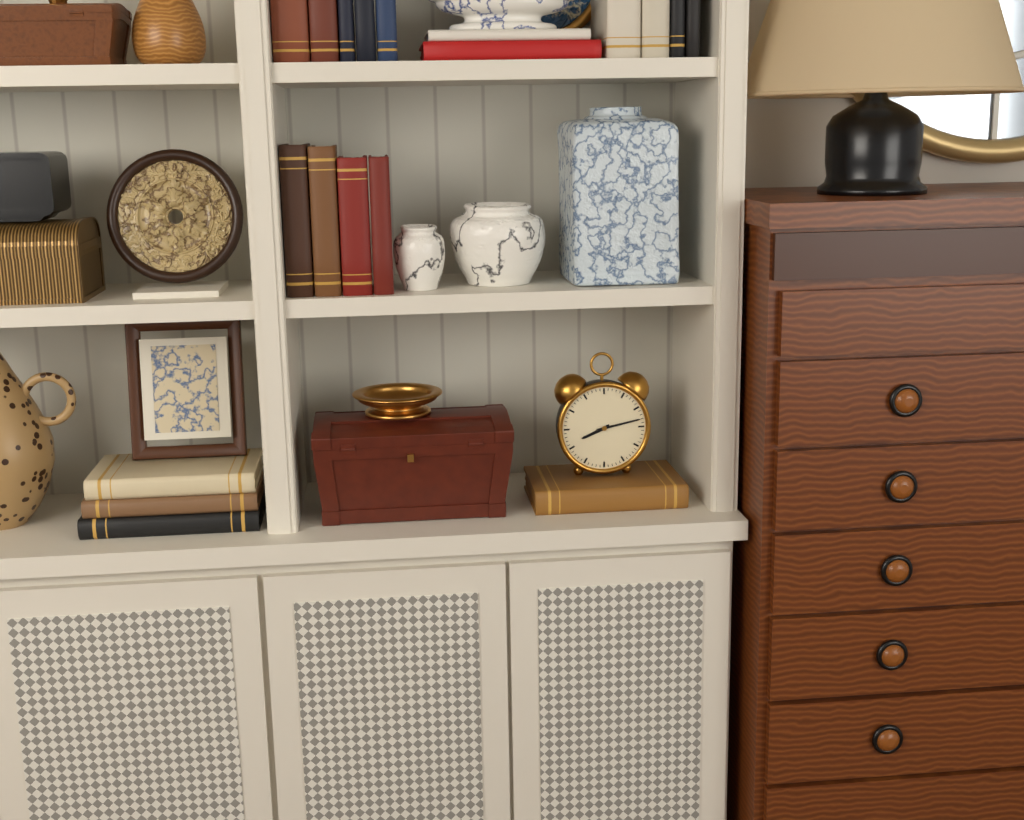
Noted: **8:13**
